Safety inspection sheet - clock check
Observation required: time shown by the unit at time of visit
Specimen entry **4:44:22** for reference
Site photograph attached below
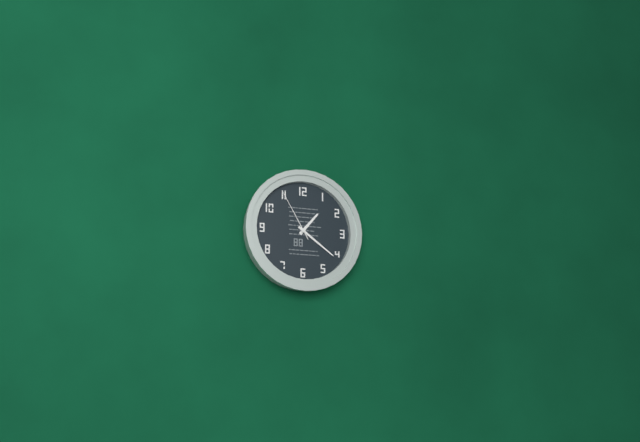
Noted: **1:21:55**
